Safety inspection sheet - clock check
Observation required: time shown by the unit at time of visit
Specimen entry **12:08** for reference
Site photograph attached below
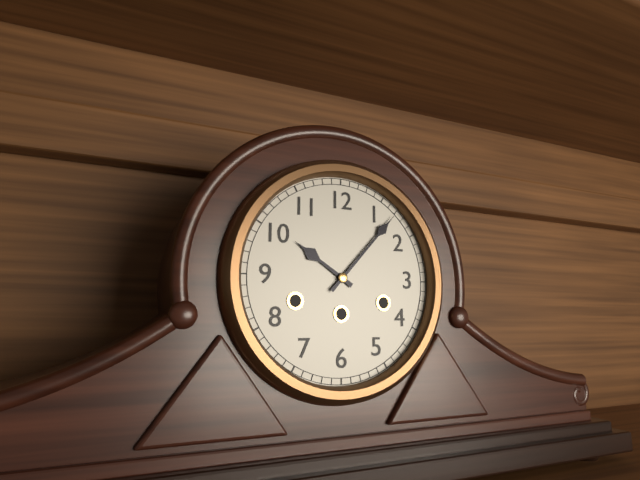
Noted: **10:07**
